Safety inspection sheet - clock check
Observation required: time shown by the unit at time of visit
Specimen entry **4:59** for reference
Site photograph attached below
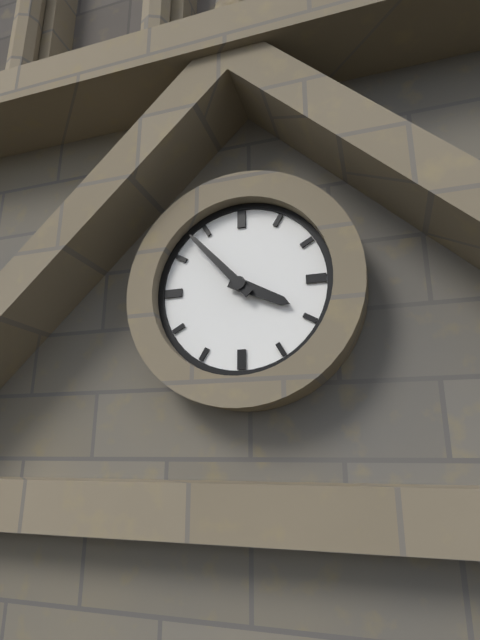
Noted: **3:53**
